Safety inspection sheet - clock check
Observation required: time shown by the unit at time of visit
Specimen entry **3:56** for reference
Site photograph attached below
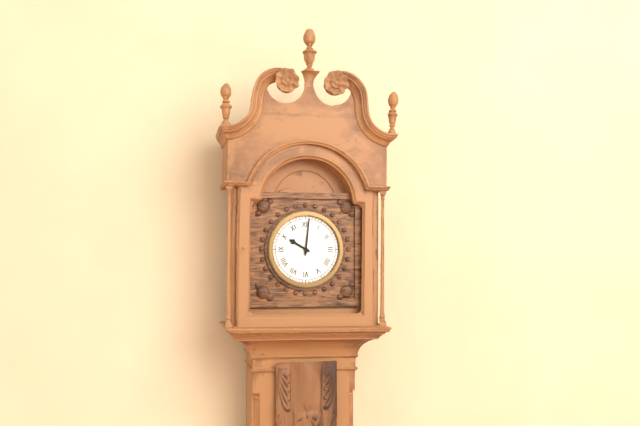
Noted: **10:01**
